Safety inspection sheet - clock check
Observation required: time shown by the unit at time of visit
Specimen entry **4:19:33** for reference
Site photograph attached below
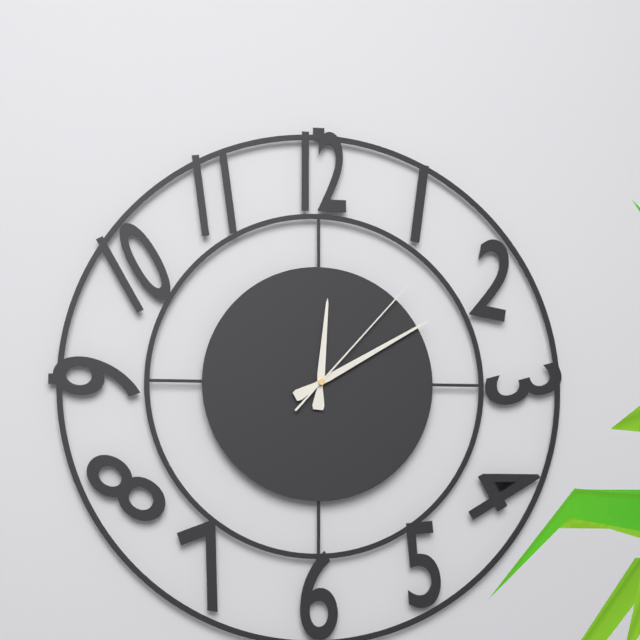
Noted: **12:10:07**
